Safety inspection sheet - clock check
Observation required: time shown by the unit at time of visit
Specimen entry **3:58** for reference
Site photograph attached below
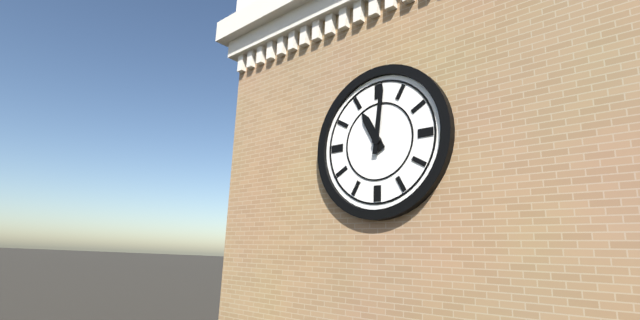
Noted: **11:01**
